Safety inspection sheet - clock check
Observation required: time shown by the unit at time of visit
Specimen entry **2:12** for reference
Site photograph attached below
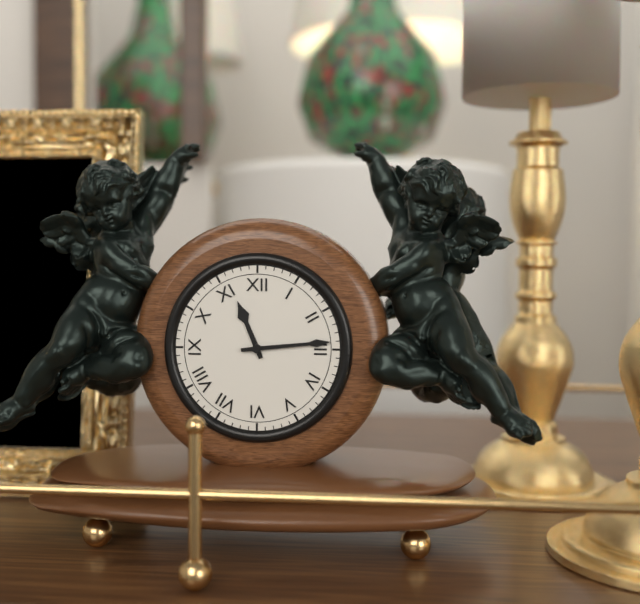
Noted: **11:14**
